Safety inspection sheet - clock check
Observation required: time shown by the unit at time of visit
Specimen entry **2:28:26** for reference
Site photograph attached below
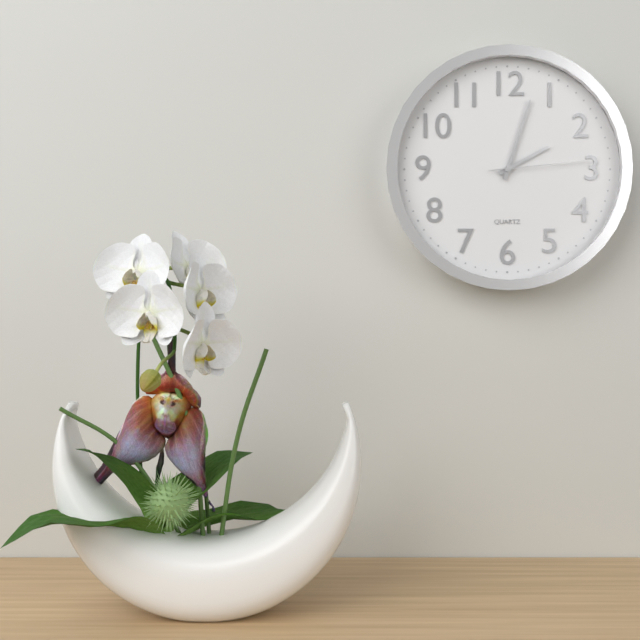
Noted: **2:03:14**
